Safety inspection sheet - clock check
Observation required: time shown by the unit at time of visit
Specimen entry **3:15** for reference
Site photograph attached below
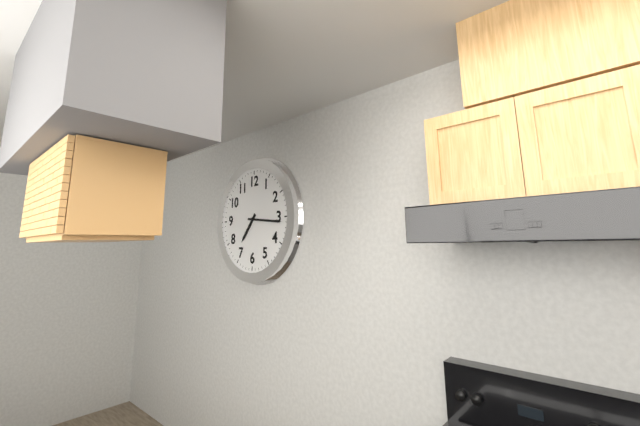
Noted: **7:16**
